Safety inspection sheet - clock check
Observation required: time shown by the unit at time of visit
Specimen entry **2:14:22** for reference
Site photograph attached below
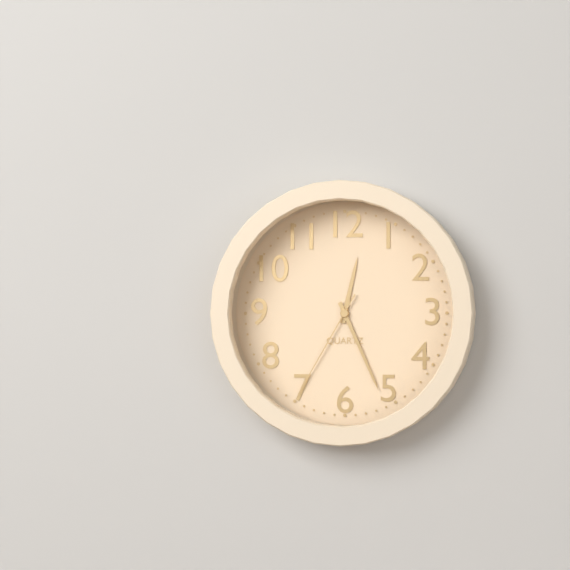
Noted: **12:26:35**
